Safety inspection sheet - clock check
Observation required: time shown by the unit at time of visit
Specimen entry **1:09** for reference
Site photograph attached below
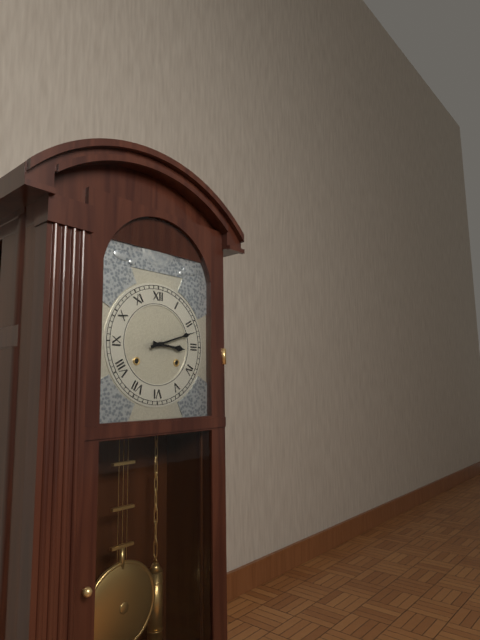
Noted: **3:12**
